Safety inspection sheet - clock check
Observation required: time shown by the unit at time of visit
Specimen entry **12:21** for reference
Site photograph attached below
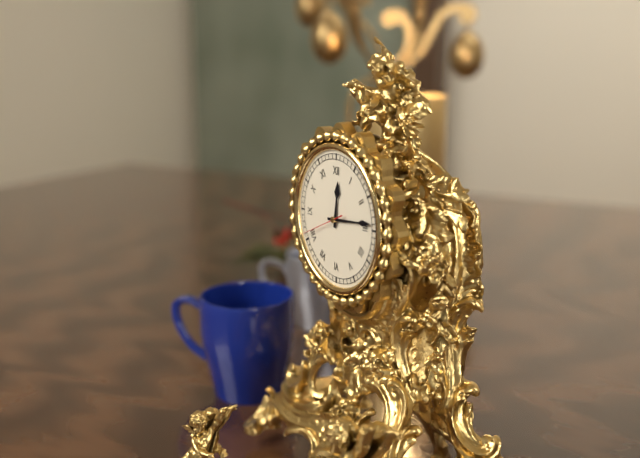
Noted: **12:14**
